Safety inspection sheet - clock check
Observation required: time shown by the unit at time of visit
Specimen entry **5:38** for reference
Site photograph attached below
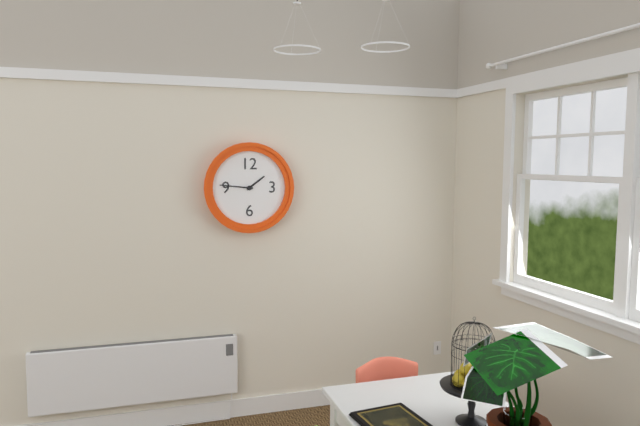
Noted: **1:46**
